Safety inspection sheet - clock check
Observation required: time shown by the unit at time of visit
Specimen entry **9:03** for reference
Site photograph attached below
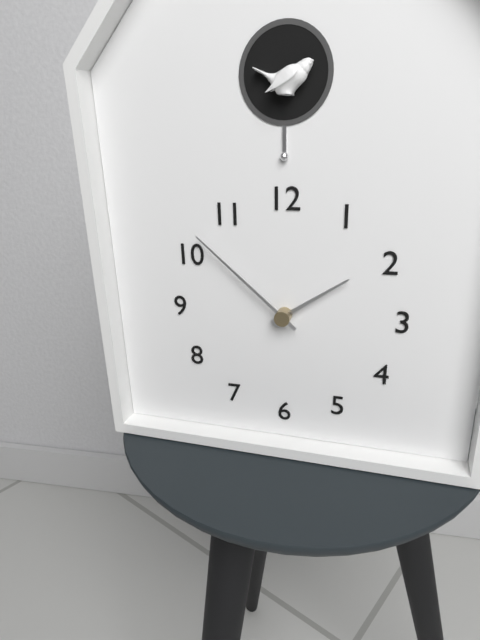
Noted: **1:52**
